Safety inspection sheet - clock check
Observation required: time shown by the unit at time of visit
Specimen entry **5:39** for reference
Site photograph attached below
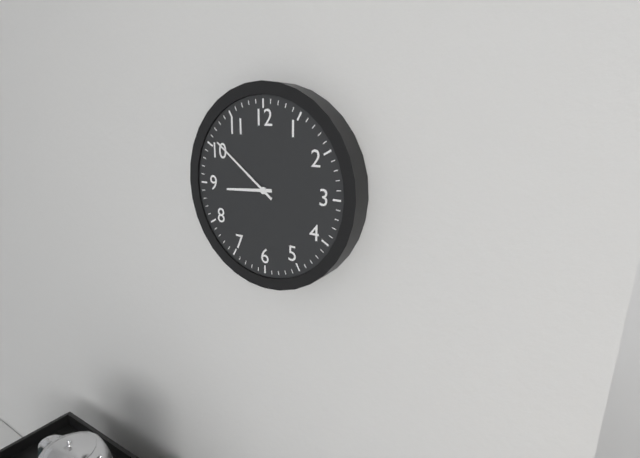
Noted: **8:51**
